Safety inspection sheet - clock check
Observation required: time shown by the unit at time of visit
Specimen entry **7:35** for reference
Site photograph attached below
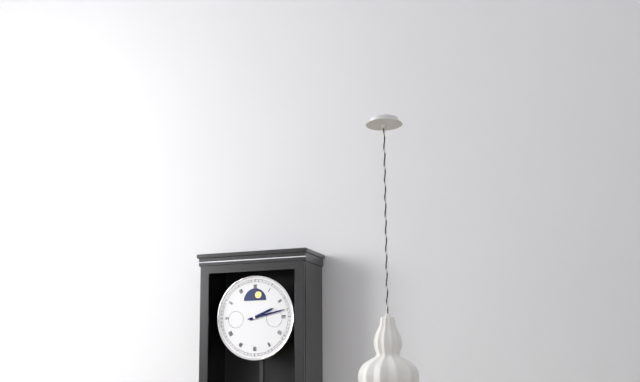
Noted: **2:13**
